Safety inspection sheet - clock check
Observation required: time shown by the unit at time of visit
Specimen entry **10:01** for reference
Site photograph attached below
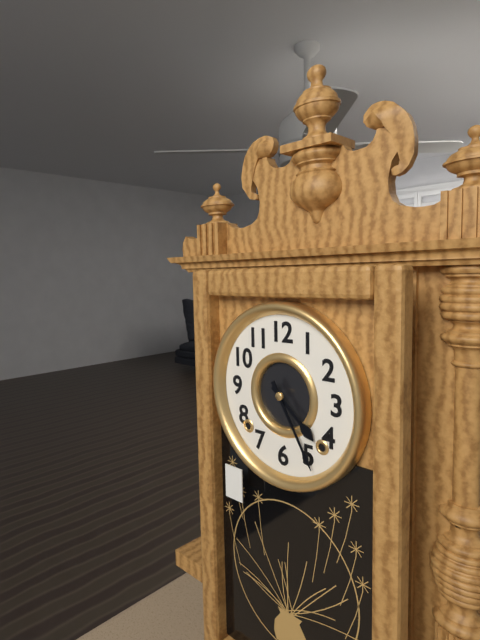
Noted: **4:25**
